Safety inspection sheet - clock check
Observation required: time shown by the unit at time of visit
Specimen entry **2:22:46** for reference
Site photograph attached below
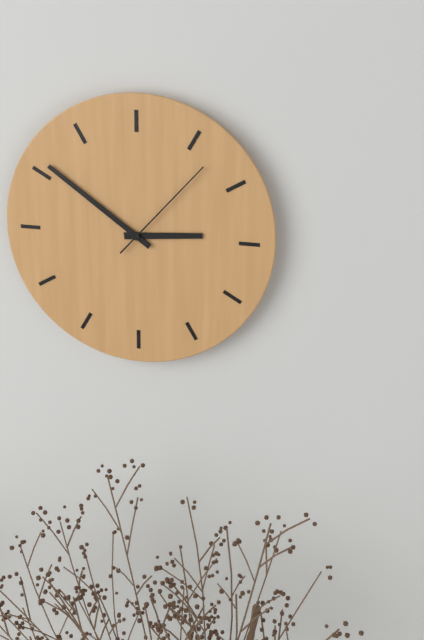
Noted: **2:51:07**
